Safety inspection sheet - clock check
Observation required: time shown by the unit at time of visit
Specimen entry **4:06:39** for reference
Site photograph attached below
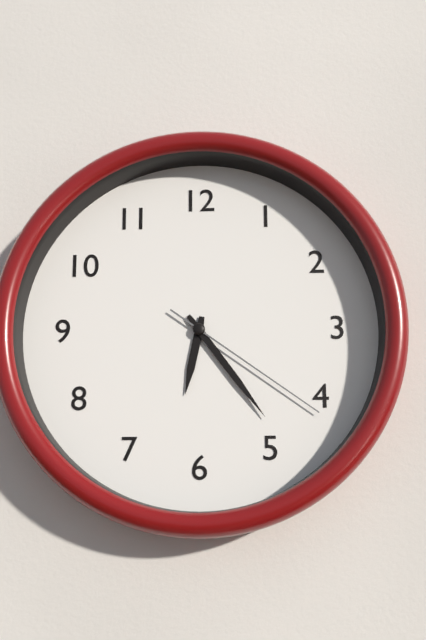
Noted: **6:24:21**
